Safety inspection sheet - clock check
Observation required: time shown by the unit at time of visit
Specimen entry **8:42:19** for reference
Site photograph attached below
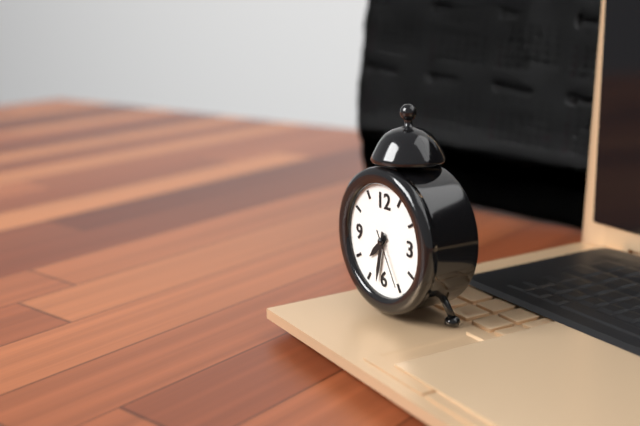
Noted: **7:32:25**
